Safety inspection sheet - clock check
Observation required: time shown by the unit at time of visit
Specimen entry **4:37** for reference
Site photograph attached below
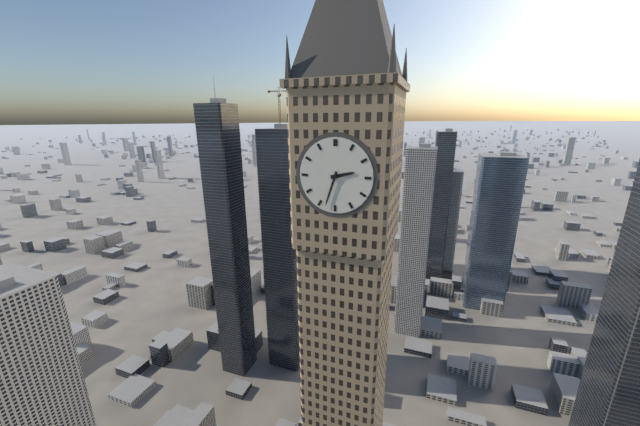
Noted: **2:33**
